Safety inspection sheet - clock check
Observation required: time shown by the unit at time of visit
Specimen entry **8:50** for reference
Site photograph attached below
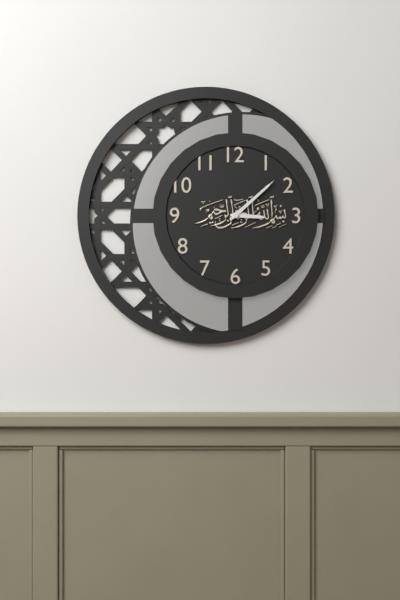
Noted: **3:08**
